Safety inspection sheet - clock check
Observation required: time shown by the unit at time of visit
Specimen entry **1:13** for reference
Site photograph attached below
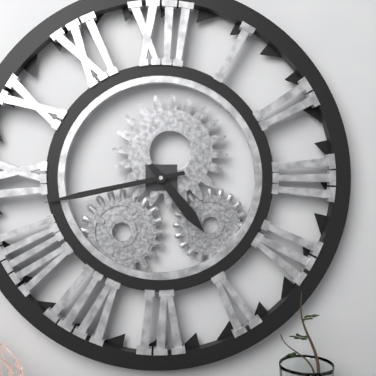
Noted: **4:43**
